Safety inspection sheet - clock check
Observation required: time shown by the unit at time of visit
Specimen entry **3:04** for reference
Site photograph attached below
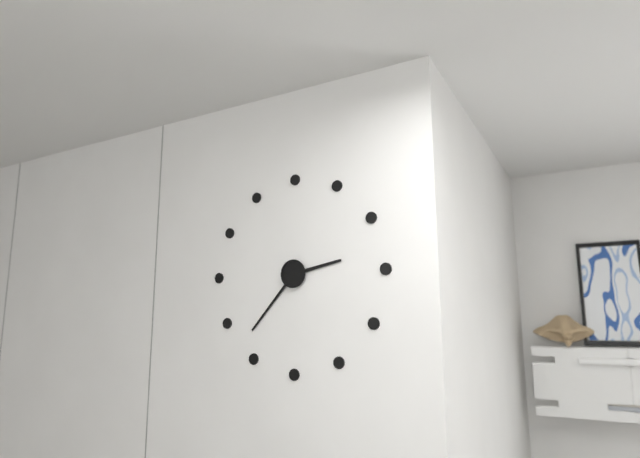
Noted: **2:37**
